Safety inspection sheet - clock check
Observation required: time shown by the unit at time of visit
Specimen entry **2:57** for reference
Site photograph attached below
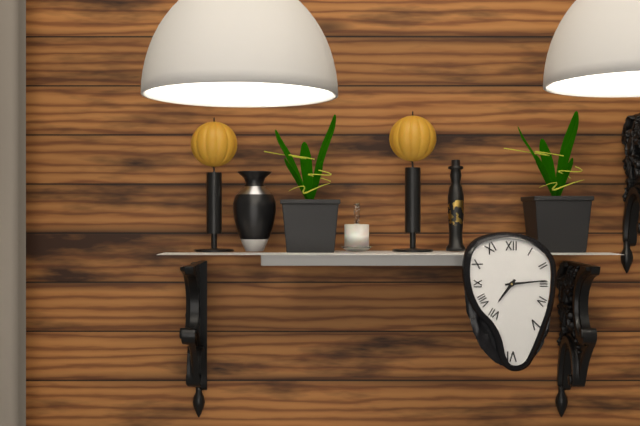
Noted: **7:14**
